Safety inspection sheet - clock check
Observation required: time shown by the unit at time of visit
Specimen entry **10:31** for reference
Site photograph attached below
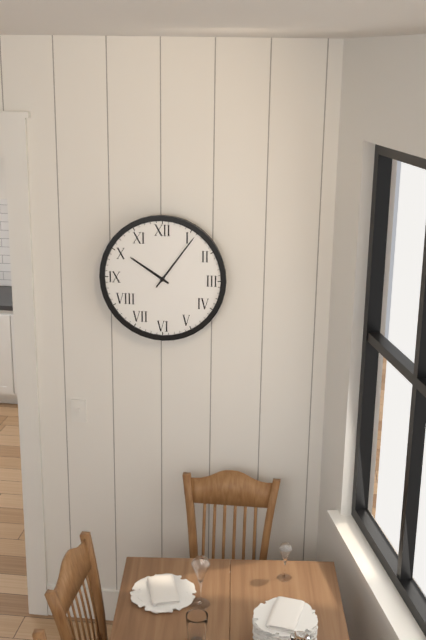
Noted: **10:06**
